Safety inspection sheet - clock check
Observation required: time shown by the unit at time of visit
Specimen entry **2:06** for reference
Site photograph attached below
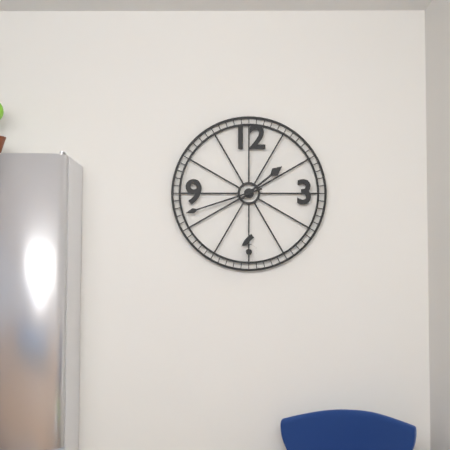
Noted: **1:42**
